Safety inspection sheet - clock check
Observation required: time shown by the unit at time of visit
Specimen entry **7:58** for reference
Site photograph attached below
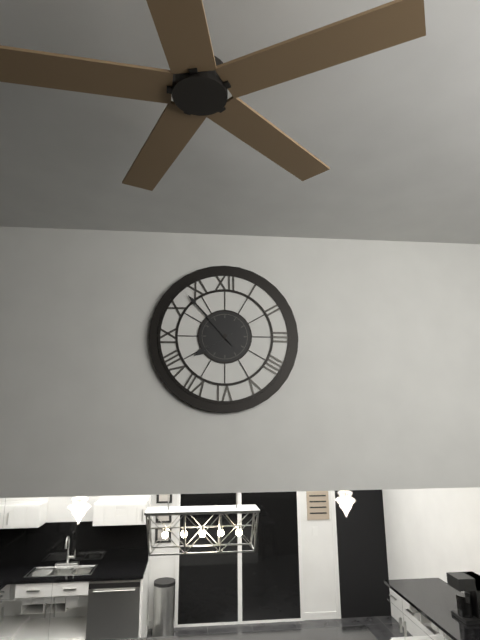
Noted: **7:53**
